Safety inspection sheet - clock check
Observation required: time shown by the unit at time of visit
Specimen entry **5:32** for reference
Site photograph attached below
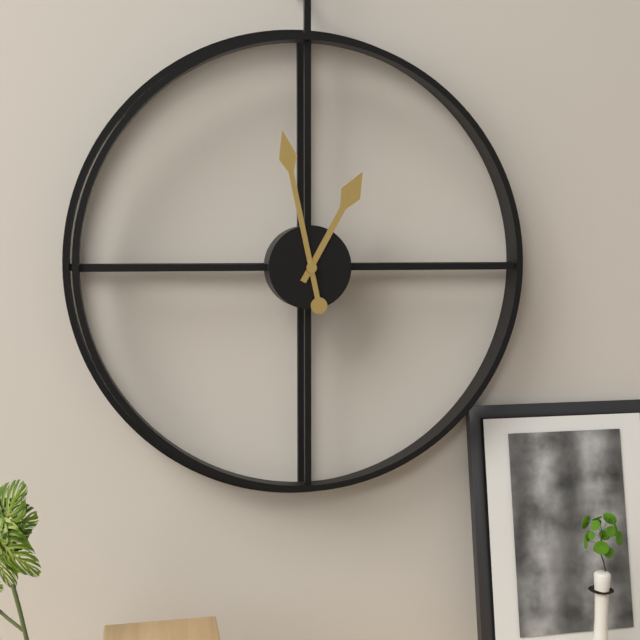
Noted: **12:58**
